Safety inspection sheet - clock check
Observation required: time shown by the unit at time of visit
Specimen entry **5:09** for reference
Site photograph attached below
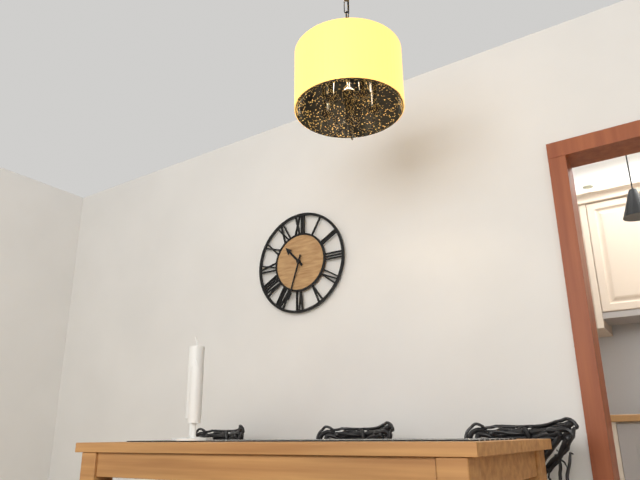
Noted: **10:33**
